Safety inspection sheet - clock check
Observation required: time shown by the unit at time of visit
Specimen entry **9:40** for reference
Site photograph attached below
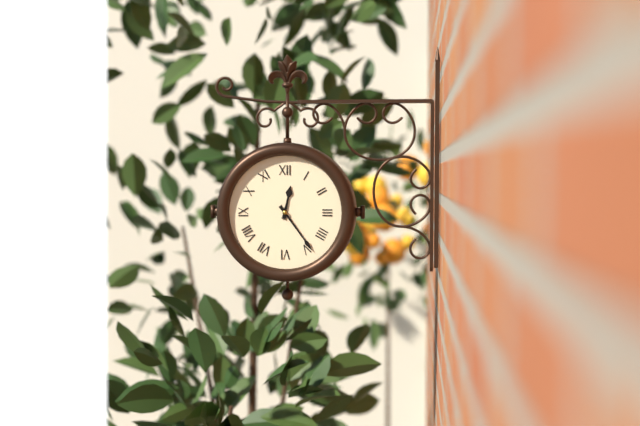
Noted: **12:24**
